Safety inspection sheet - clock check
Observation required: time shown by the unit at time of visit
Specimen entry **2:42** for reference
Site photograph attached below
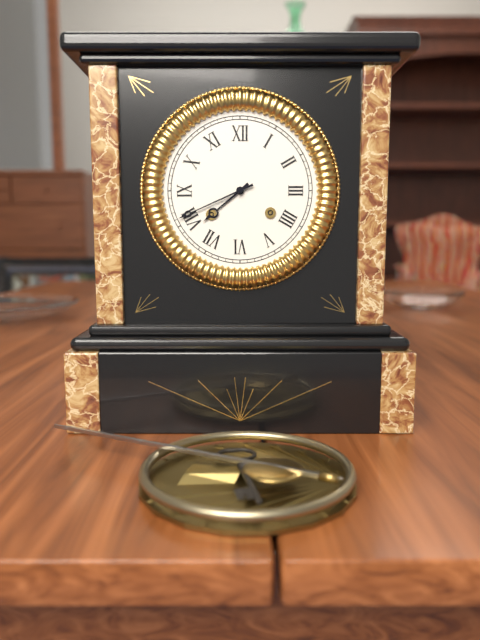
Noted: **7:41**
